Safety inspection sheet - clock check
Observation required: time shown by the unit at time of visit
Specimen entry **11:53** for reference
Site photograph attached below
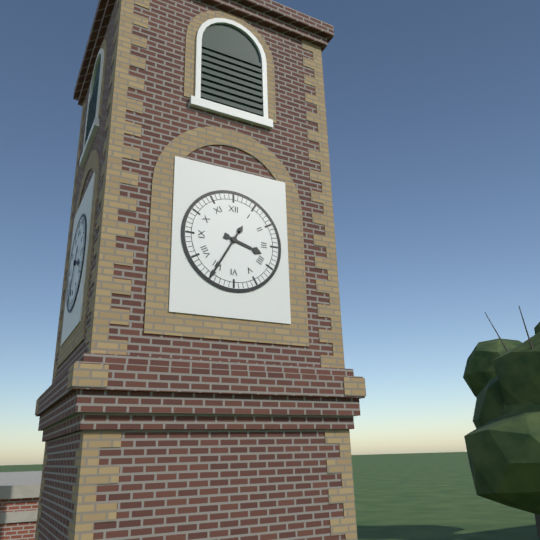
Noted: **3:35**
